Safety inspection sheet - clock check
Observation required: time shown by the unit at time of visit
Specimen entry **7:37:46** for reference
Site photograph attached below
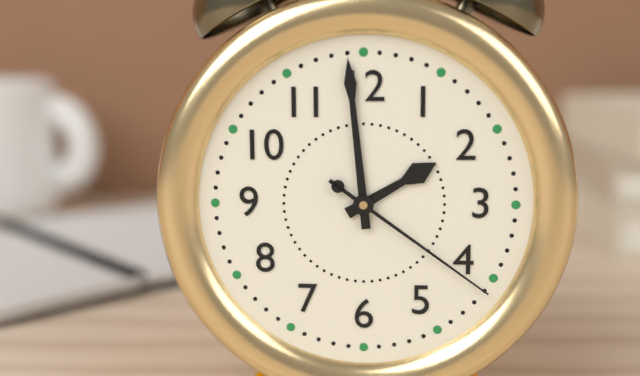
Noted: **1:59:21**
